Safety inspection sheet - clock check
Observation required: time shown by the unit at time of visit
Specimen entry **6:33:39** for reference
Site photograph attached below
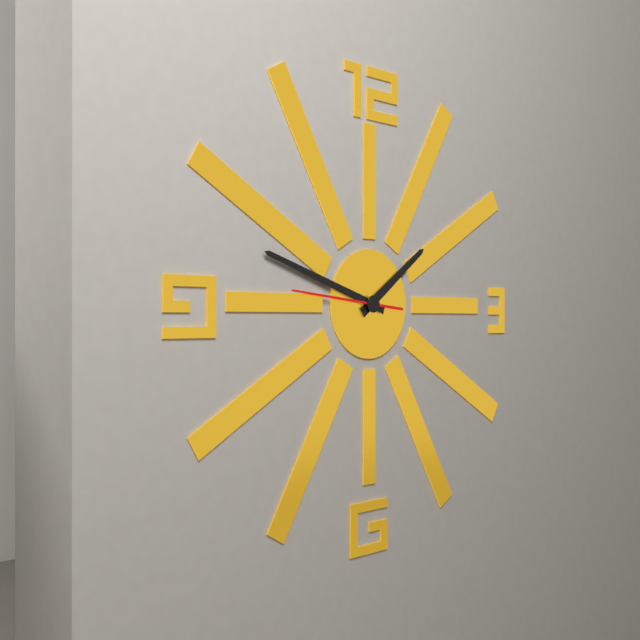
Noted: **1:48:46**
